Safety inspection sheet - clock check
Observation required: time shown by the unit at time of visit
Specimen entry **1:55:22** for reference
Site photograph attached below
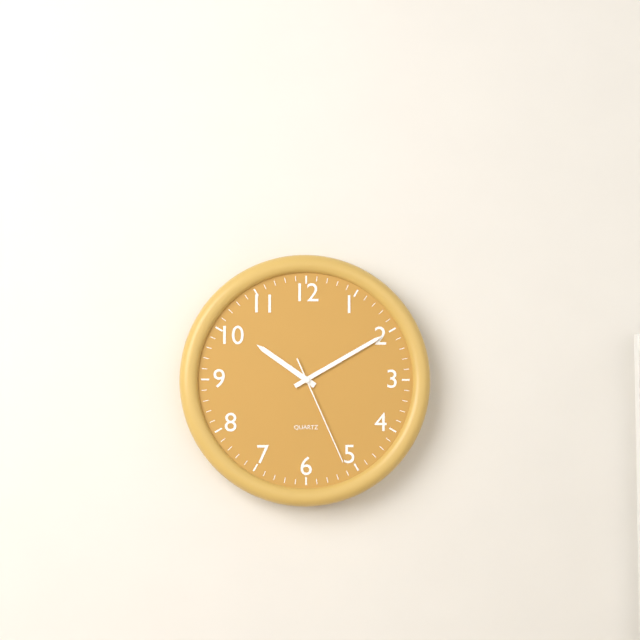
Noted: **10:10:26**
